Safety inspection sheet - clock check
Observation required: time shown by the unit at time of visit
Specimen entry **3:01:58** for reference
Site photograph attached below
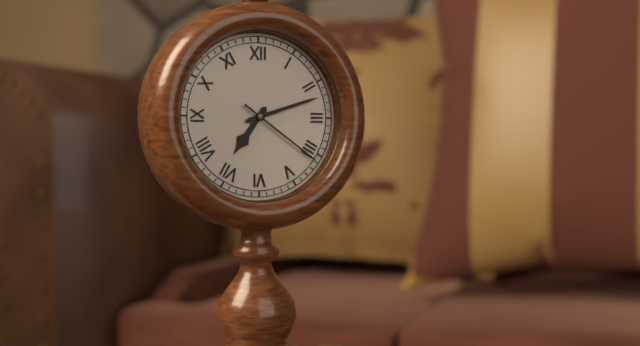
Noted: **7:12:21**
